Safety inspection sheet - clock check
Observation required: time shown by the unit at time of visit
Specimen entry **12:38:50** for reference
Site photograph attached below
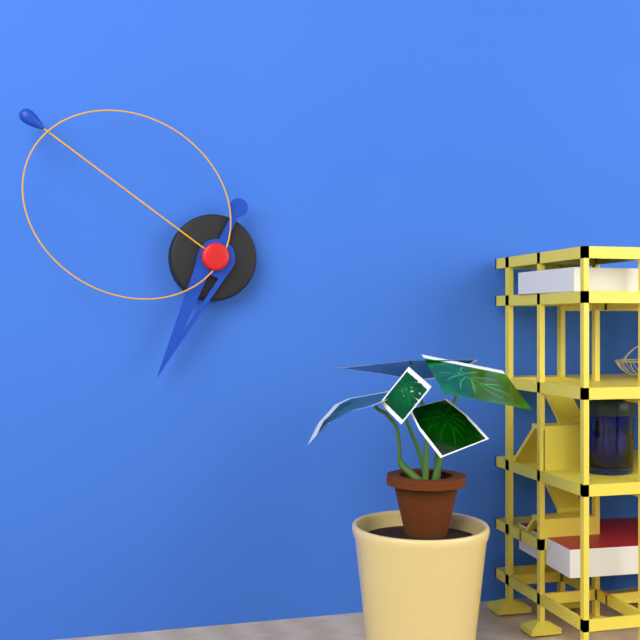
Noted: **6:51:50**
